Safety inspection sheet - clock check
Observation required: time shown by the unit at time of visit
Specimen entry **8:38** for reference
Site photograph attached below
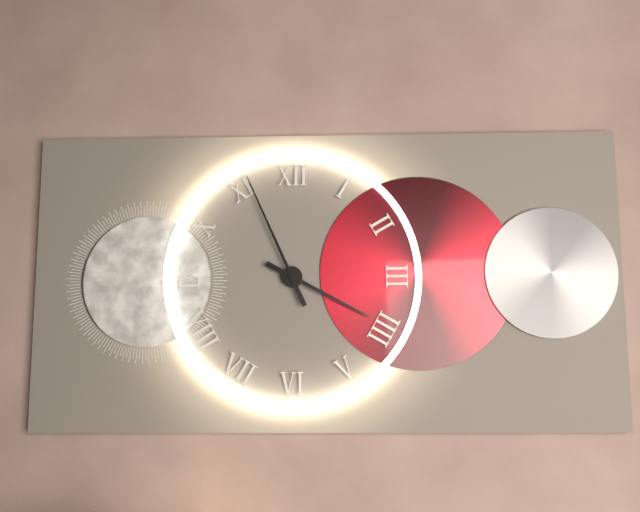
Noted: **3:56**
